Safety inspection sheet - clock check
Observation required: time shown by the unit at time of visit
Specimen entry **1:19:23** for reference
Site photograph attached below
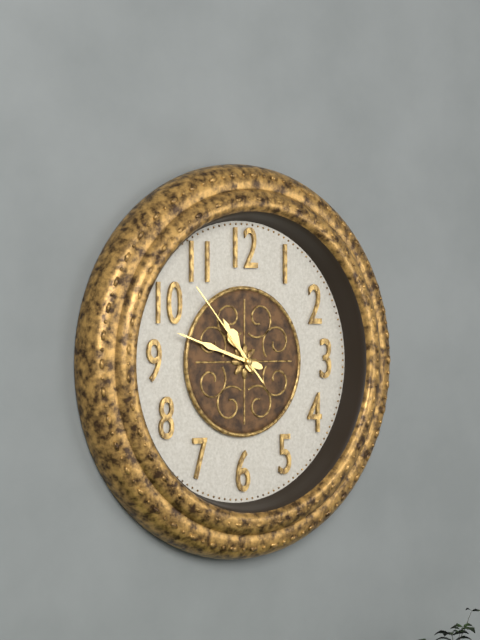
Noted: **10:48:53**
